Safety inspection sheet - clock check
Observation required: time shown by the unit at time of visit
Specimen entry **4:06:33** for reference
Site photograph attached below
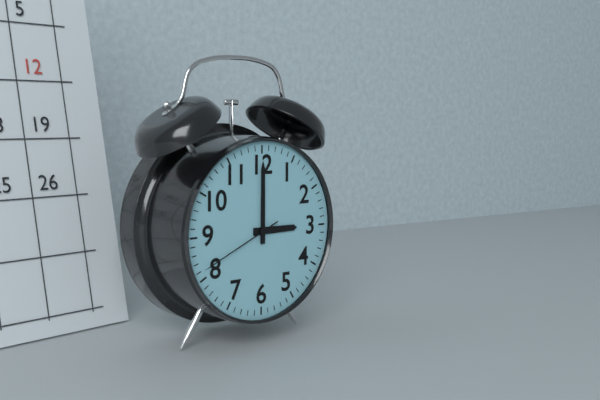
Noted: **3:00:41**
